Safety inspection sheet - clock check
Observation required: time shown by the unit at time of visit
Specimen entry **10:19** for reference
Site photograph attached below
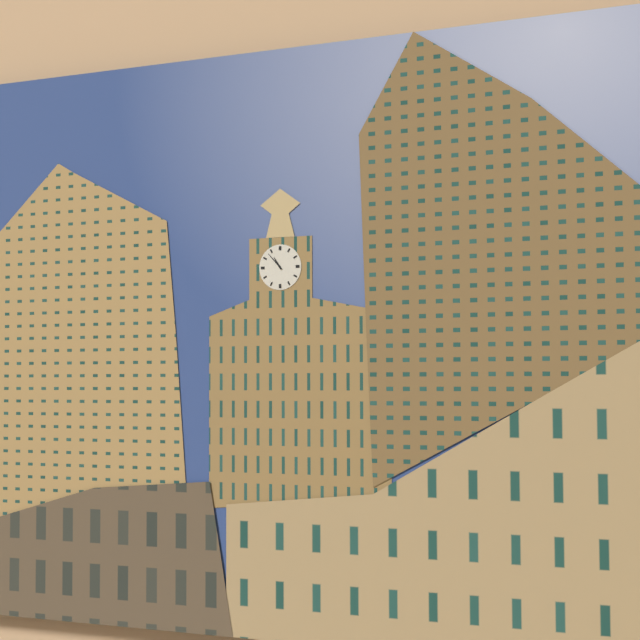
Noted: **10:53**
